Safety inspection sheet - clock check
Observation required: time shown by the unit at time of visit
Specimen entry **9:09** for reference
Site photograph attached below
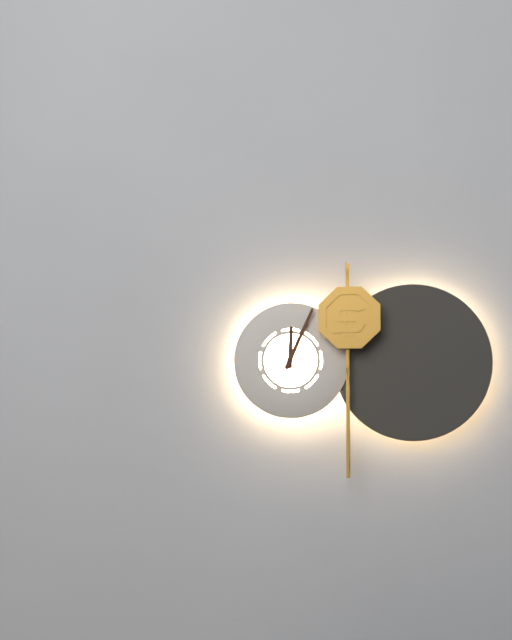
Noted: **12:04**
